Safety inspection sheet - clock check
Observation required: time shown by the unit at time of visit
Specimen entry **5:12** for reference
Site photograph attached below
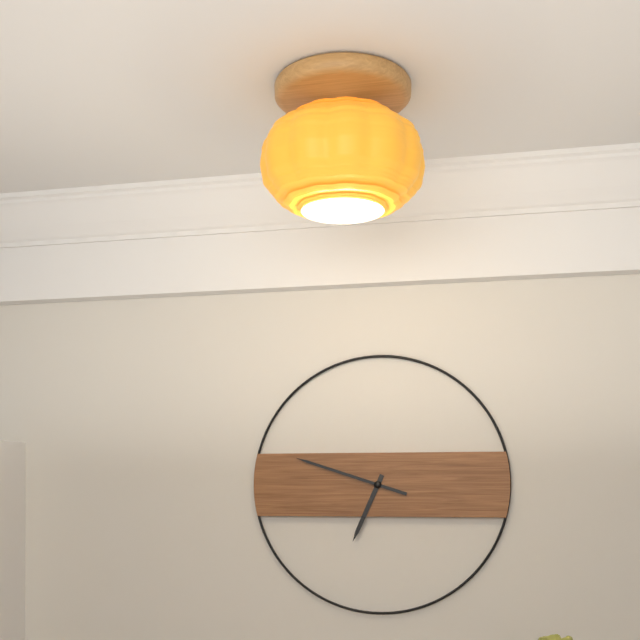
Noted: **6:48**
